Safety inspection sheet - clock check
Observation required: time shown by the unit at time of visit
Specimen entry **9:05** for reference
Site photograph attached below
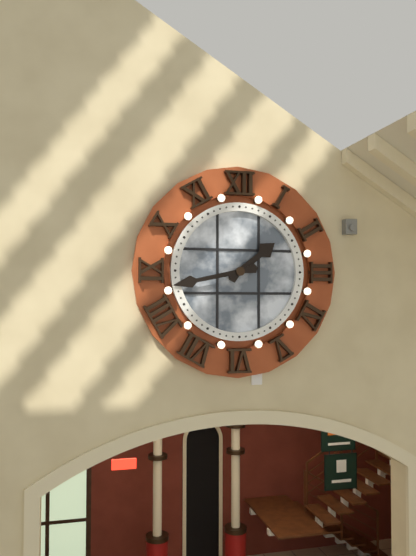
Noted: **1:43**
